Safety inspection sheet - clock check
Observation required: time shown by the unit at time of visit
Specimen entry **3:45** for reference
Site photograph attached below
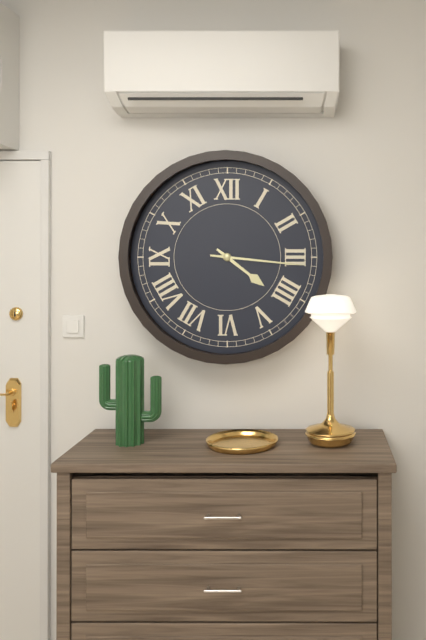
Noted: **4:16**
